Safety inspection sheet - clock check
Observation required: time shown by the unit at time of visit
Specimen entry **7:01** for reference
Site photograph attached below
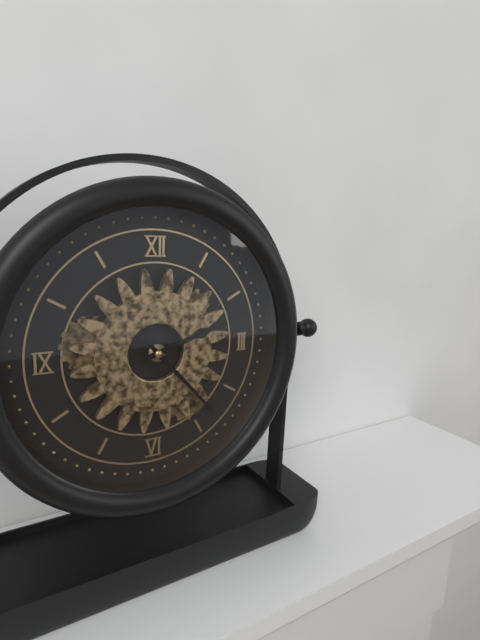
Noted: **2:23**
